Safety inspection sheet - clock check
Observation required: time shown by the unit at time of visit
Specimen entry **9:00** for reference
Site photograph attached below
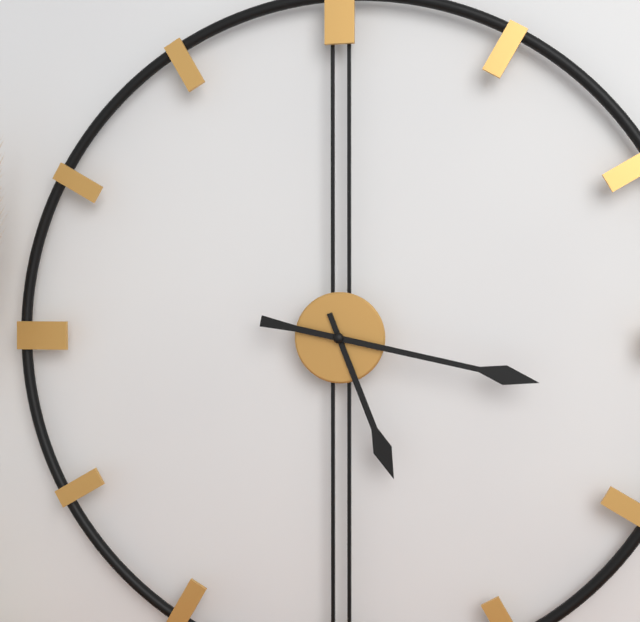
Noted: **5:17**
